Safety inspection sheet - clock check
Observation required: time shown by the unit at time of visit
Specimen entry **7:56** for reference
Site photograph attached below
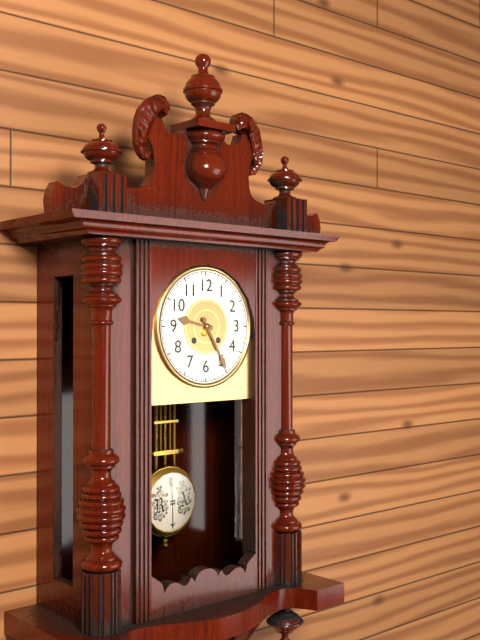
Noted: **9:25**
